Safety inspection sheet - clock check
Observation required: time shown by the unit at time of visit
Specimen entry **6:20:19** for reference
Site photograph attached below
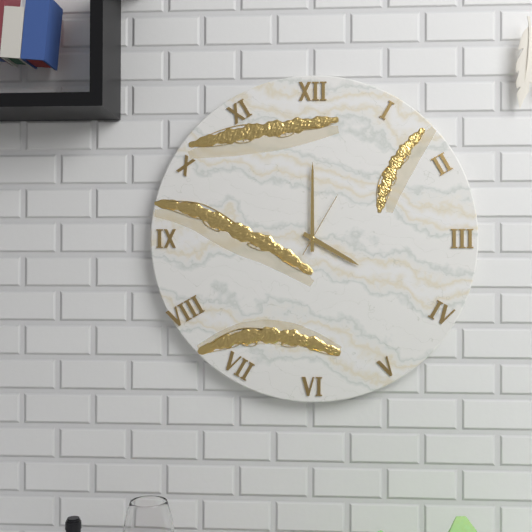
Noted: **4:00:05**
